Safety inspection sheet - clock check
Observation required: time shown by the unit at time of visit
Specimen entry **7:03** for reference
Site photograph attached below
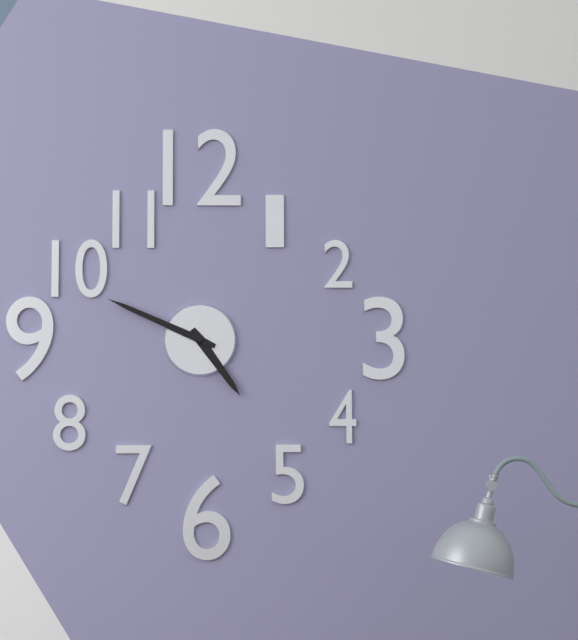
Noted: **4:49**
